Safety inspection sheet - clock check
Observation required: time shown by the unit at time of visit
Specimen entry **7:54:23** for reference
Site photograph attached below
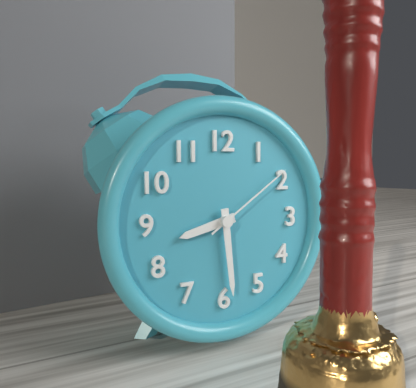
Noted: **8:29:09**
